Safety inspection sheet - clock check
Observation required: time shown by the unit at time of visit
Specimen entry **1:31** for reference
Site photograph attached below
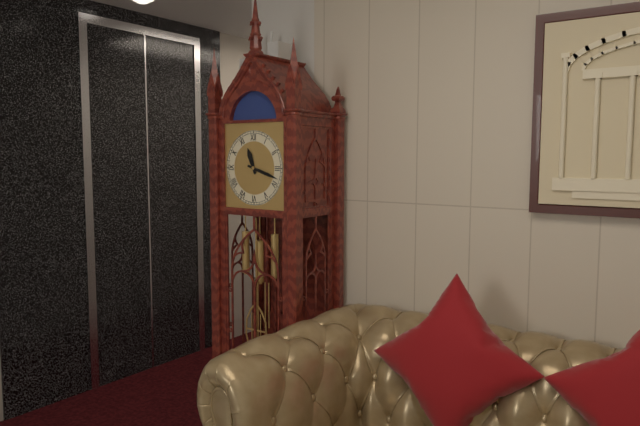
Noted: **11:18**
